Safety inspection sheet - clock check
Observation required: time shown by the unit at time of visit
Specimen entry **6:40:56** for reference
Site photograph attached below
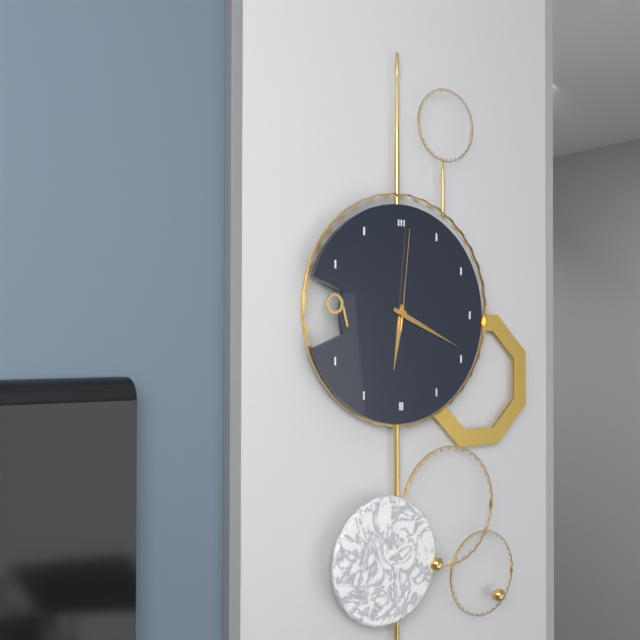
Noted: **6:19:01**
